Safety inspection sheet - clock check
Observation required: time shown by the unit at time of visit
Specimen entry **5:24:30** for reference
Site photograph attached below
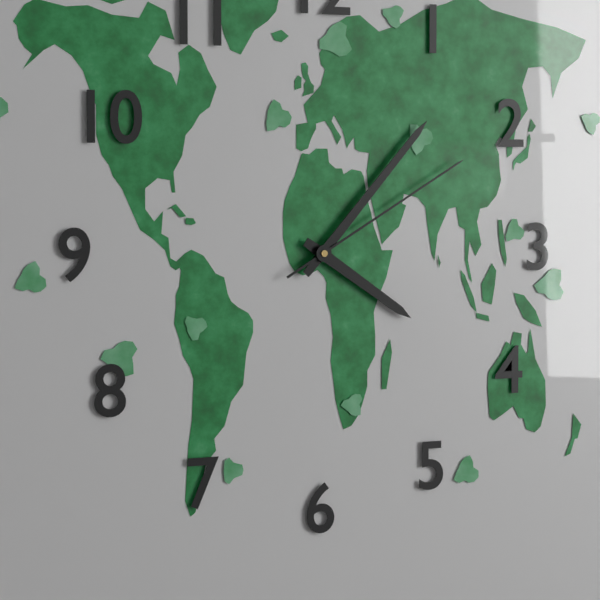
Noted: **4:07:10**
